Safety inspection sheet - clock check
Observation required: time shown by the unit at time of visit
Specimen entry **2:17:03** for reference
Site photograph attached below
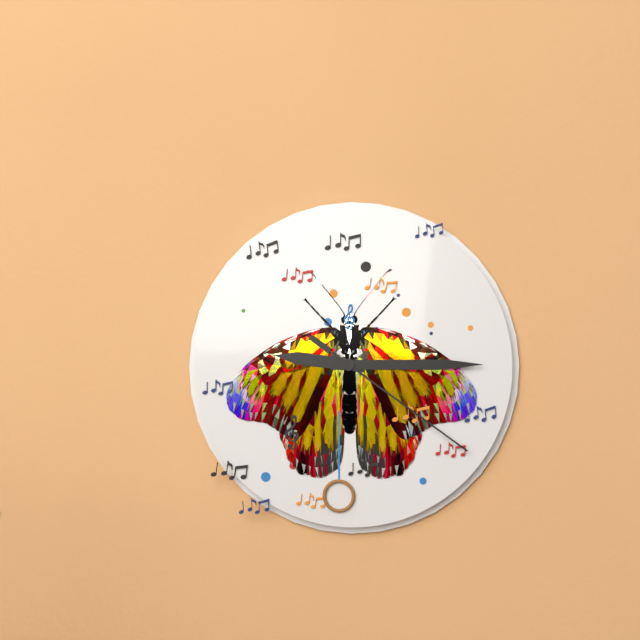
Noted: **9:15:21**
